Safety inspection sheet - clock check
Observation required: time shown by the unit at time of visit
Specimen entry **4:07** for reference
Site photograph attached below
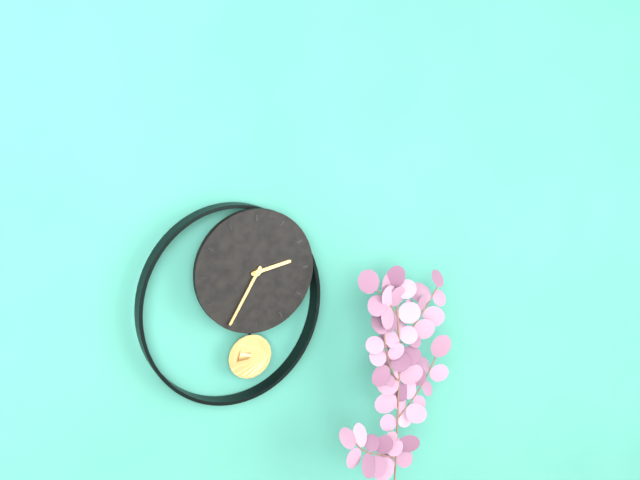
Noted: **2:35**
